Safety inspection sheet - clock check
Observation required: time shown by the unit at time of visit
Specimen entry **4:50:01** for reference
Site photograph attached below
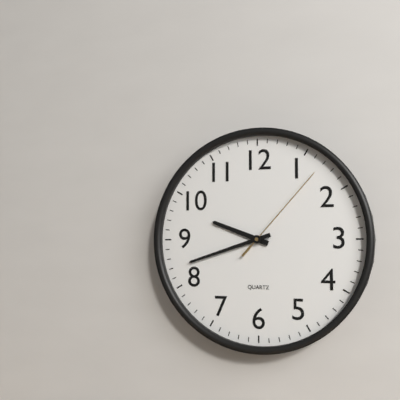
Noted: **9:42:07**
